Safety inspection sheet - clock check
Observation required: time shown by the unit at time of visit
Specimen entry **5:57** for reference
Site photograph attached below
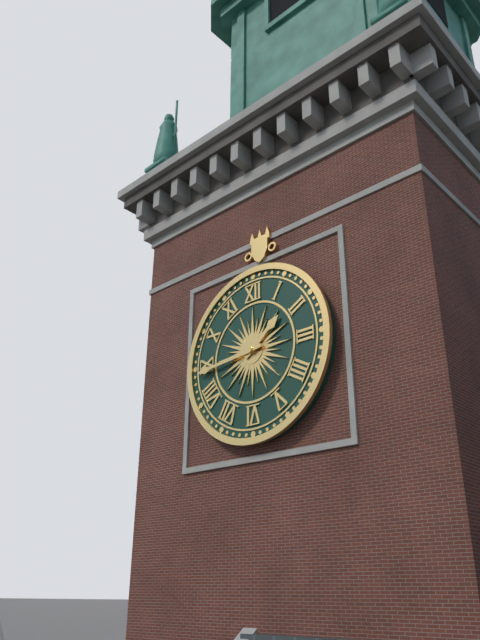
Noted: **1:44**
